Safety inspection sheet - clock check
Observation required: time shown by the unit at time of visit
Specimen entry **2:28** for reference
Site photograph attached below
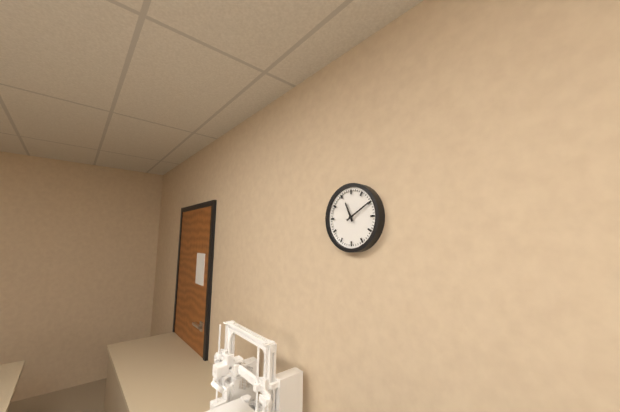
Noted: **11:10**
